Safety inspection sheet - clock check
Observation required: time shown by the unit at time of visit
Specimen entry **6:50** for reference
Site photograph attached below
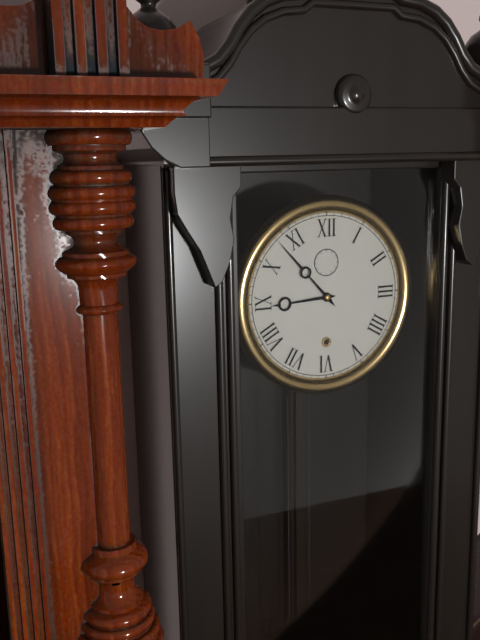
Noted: **8:53**
